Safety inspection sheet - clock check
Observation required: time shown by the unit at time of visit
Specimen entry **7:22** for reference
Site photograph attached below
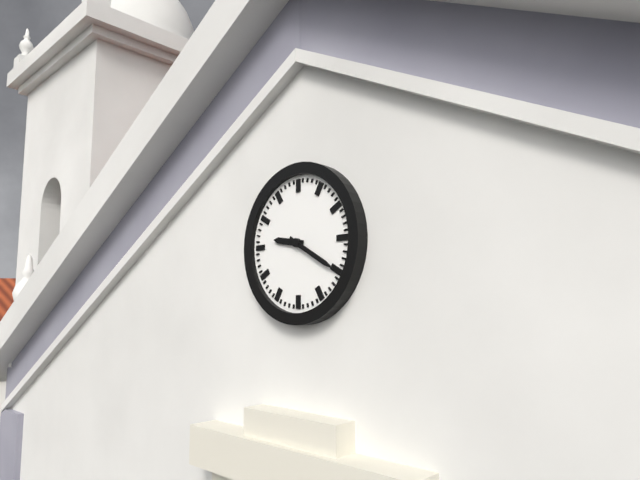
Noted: **9:20**
